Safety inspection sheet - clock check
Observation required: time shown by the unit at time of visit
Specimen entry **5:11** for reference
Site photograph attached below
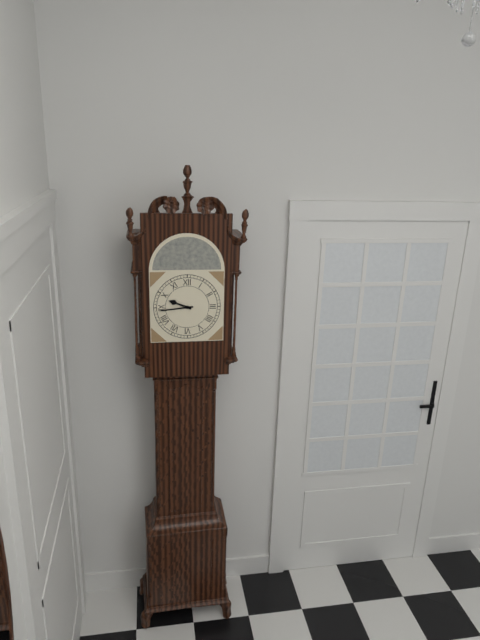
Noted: **9:44**
